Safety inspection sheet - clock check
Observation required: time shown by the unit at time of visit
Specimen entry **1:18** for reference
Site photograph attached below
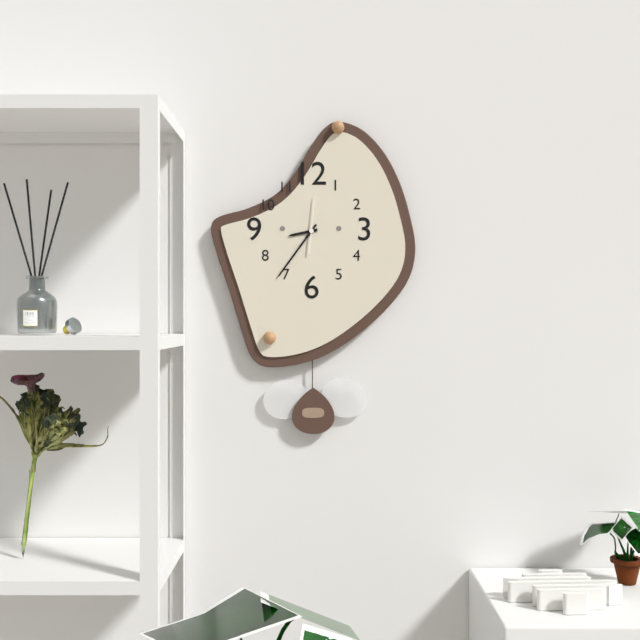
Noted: **8:36**
